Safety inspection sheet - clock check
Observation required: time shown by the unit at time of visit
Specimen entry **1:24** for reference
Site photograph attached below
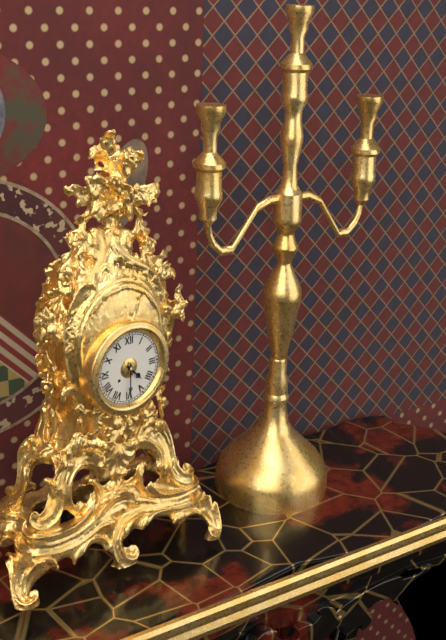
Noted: **4:30**
